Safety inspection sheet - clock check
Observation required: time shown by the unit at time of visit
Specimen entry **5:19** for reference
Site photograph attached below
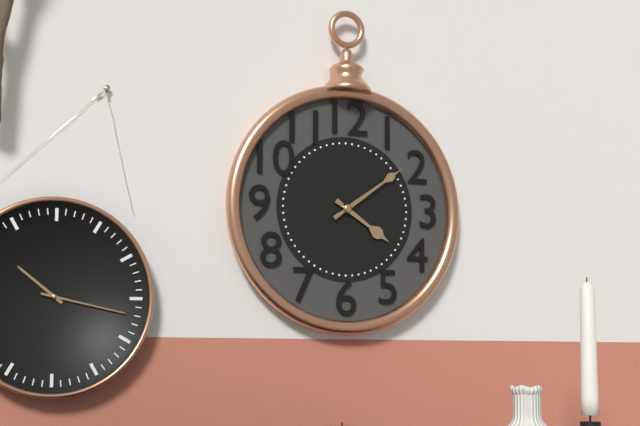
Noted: **4:09**
